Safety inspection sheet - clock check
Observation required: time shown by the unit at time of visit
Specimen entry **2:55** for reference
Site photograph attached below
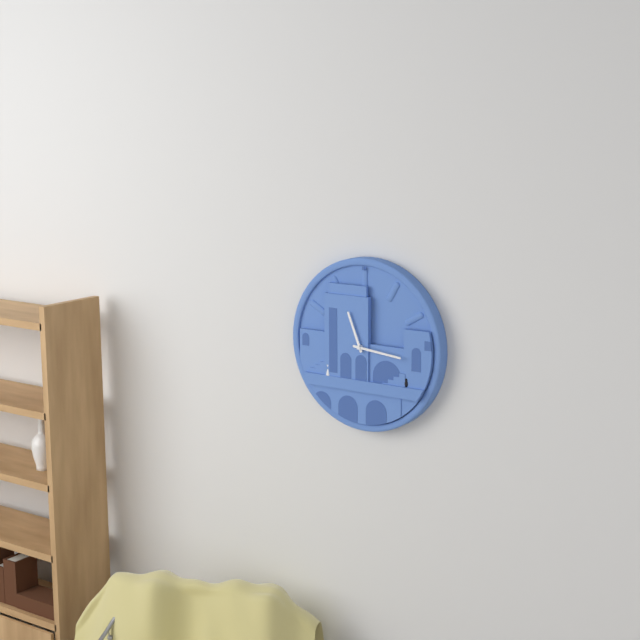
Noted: **11:16**
